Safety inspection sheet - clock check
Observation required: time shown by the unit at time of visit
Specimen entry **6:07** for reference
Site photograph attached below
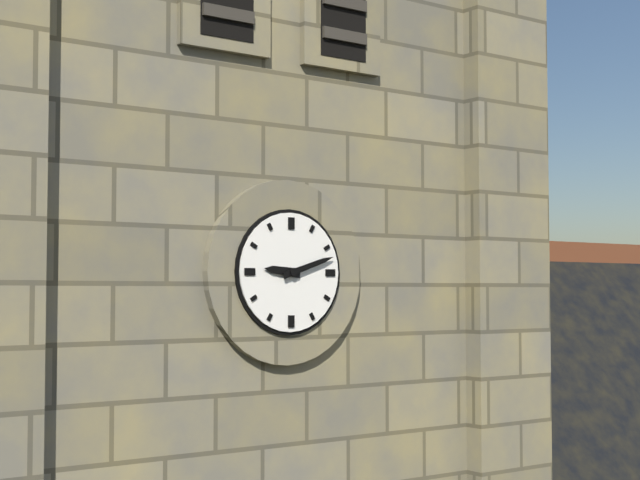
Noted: **9:12**
